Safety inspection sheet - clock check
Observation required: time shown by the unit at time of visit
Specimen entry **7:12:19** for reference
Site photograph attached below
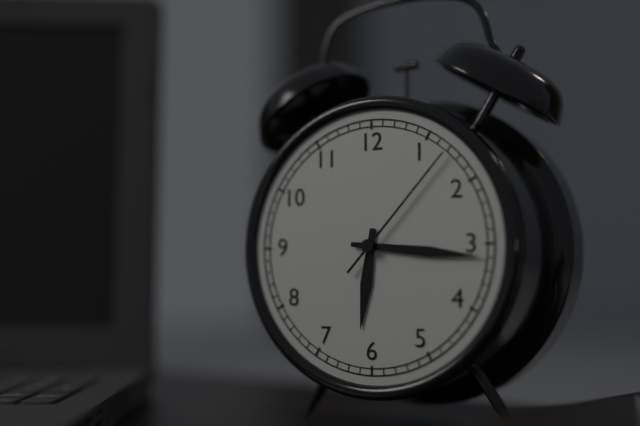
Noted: **6:16:07**
